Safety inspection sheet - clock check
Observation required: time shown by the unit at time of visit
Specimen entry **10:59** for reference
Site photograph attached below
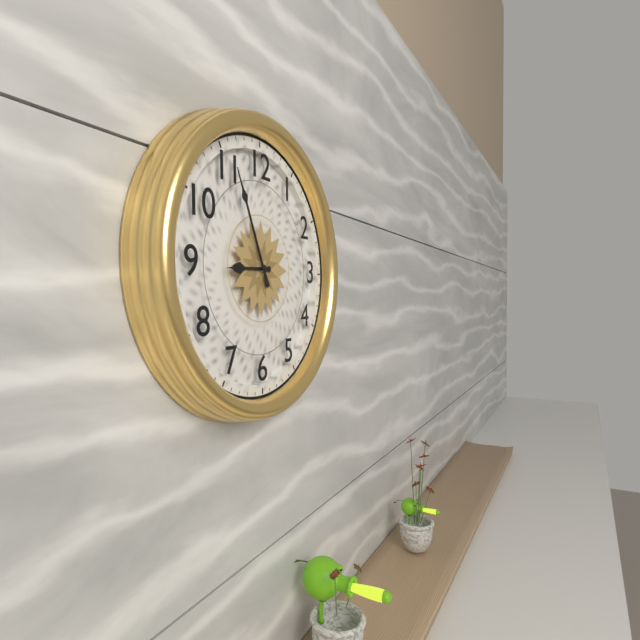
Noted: **8:56**
